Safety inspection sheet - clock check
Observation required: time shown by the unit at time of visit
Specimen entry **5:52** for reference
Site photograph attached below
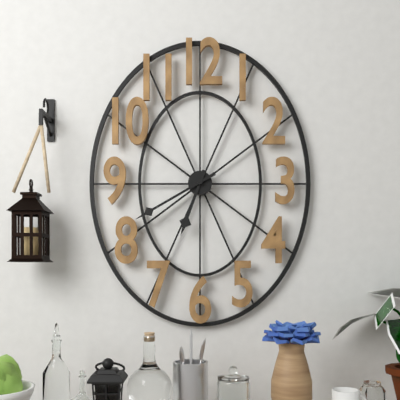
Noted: **6:40**
